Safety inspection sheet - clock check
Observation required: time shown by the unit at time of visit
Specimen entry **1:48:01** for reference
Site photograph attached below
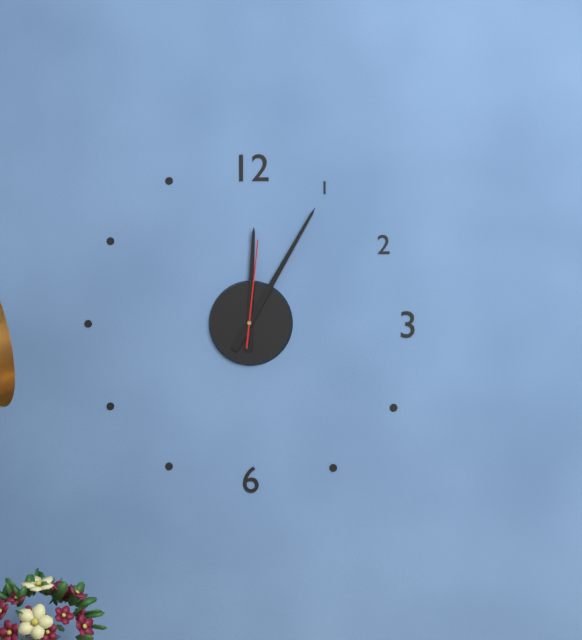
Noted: **12:05:01**
